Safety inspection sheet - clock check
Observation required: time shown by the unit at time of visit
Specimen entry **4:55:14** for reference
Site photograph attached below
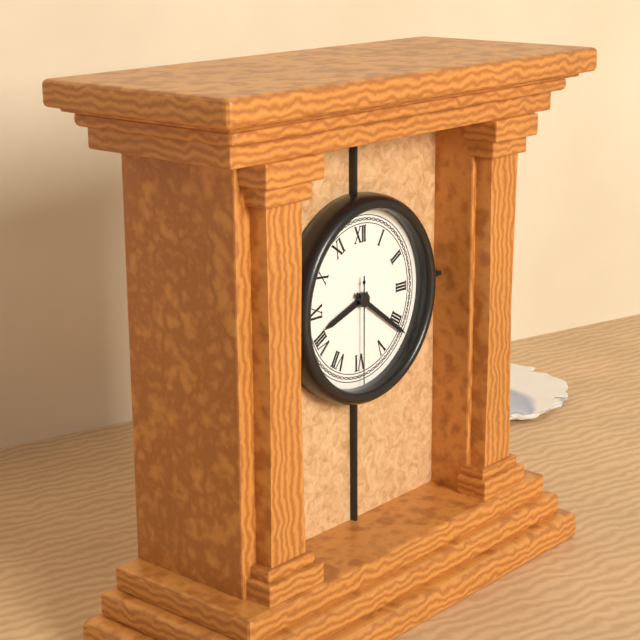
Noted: **8:21:30**
